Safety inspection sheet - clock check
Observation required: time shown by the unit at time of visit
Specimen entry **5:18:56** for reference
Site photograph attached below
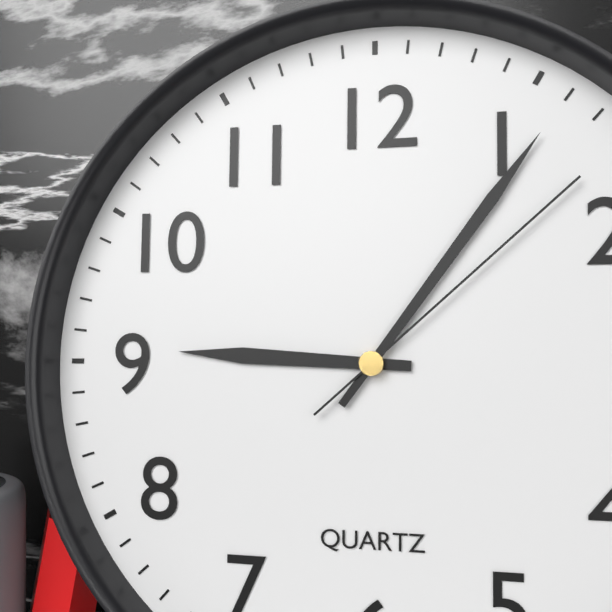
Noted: **9:06:08**
